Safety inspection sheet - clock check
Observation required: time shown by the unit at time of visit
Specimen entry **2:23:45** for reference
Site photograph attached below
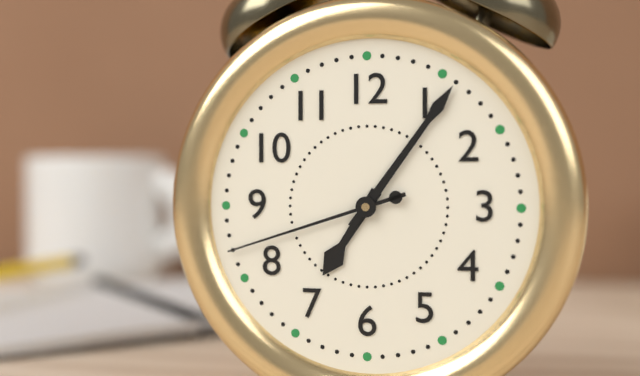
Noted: **7:06:42**
